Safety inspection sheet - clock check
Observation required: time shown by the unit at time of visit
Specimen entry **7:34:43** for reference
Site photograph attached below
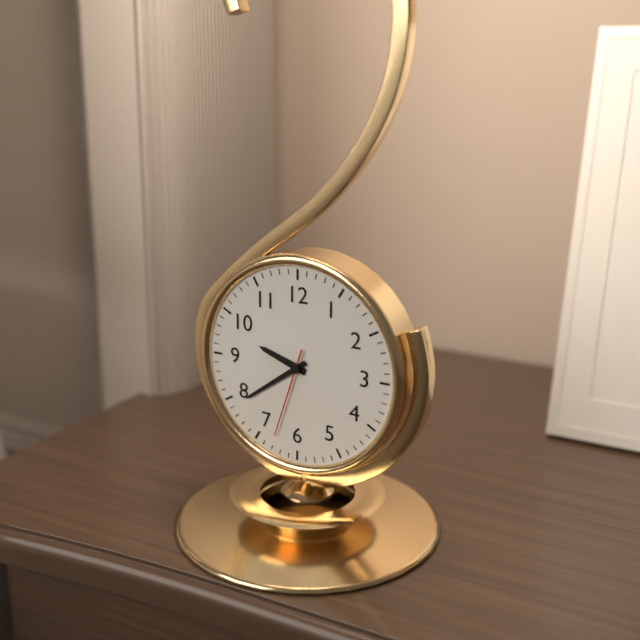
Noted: **9:39:33**
